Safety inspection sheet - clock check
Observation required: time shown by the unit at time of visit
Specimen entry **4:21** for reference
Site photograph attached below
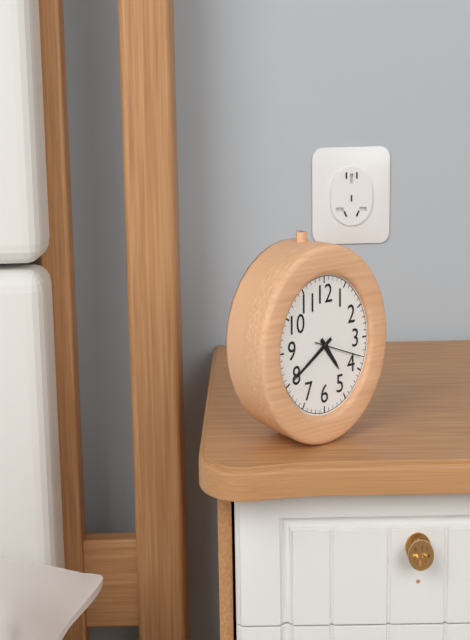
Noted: **4:40**
